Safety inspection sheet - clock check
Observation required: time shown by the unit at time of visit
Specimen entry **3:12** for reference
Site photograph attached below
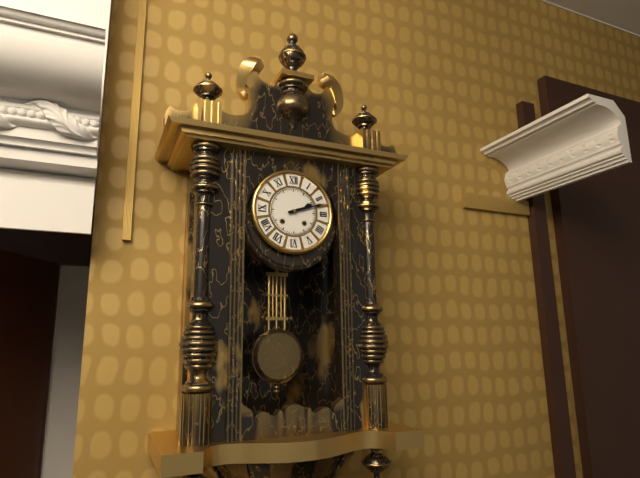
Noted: **2:12**
